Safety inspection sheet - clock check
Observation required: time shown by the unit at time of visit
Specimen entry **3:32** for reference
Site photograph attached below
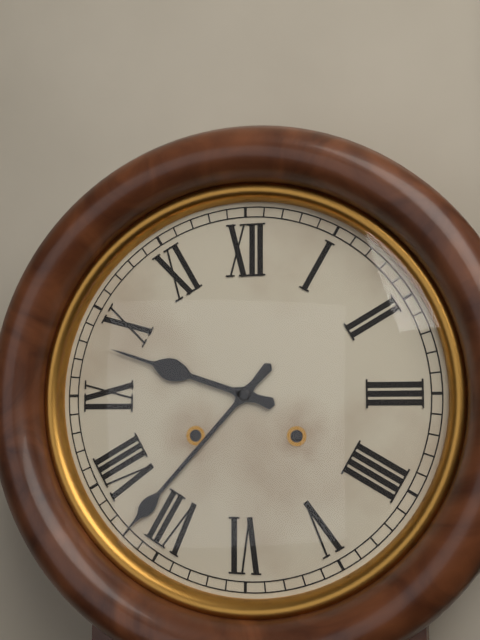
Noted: **9:37**
